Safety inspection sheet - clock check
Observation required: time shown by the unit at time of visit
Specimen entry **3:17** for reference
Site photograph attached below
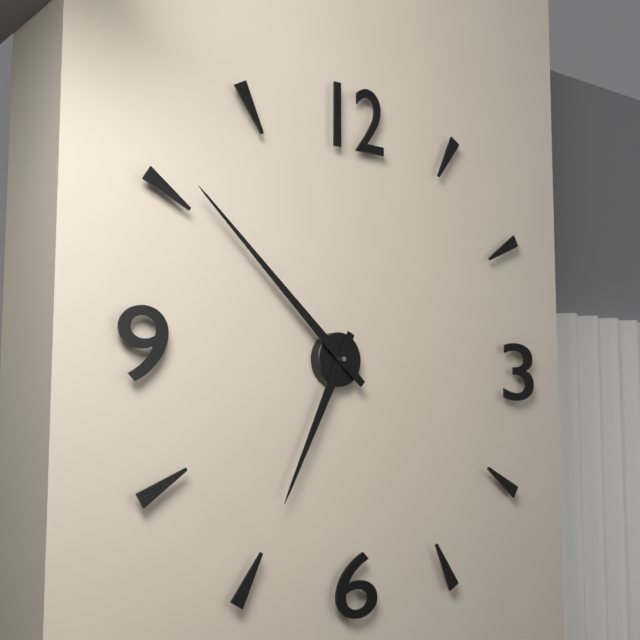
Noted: **6:52**
